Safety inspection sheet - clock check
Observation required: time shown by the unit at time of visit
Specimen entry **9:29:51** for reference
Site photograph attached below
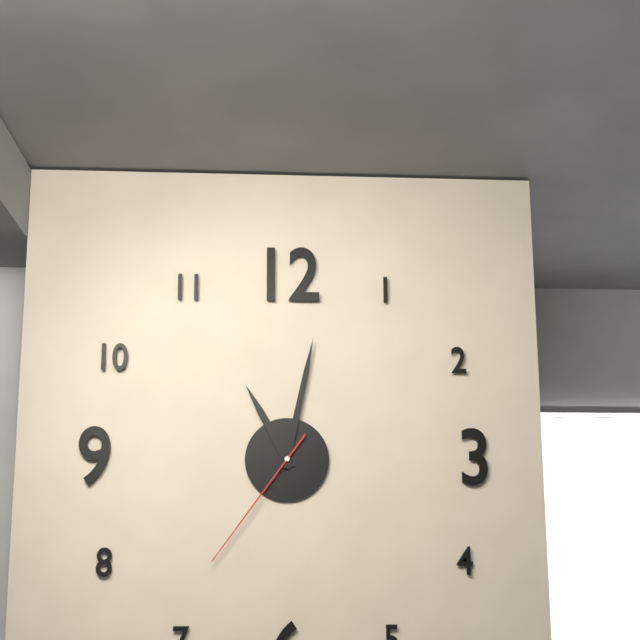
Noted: **11:02:36**
